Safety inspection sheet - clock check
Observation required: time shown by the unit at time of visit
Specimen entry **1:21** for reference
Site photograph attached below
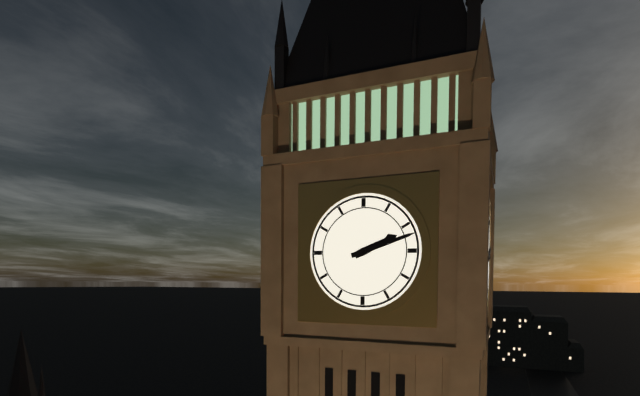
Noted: **2:12**
